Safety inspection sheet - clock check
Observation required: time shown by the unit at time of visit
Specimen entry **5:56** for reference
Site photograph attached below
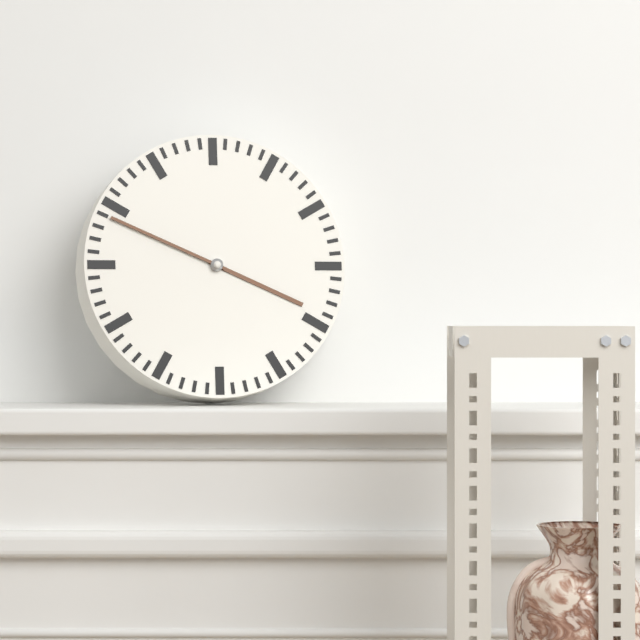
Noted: **3:49**
